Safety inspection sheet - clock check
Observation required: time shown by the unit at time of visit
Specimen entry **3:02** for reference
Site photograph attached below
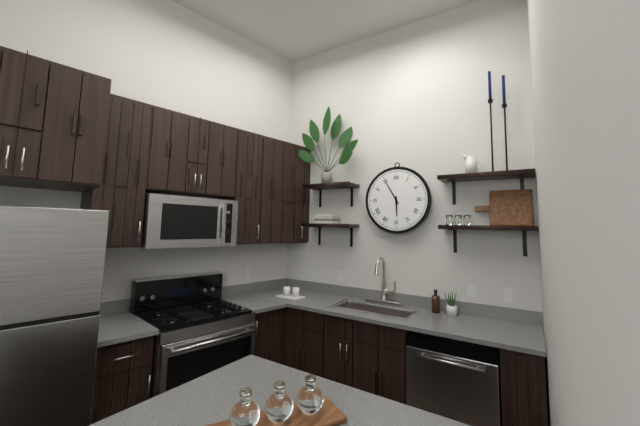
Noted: **5:55**
